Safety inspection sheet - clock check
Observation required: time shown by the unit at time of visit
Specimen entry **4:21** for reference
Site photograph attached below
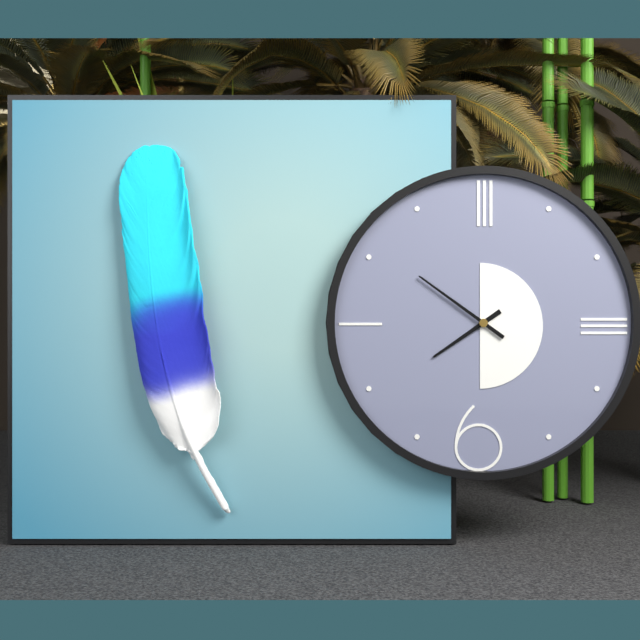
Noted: **7:51**
